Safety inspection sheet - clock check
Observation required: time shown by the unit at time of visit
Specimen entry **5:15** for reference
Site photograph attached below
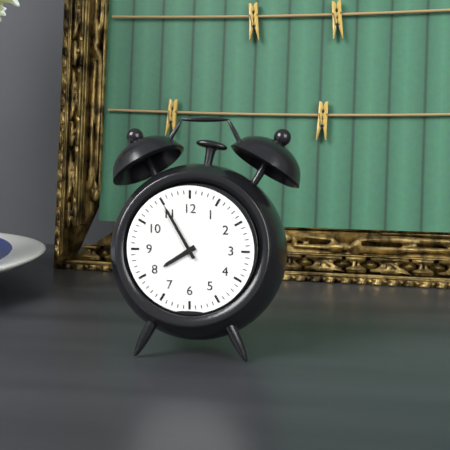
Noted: **7:55**
